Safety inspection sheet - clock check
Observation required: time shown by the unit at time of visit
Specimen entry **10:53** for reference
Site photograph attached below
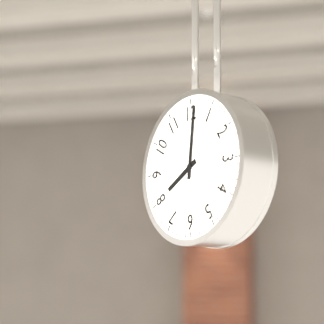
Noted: **8:01**
